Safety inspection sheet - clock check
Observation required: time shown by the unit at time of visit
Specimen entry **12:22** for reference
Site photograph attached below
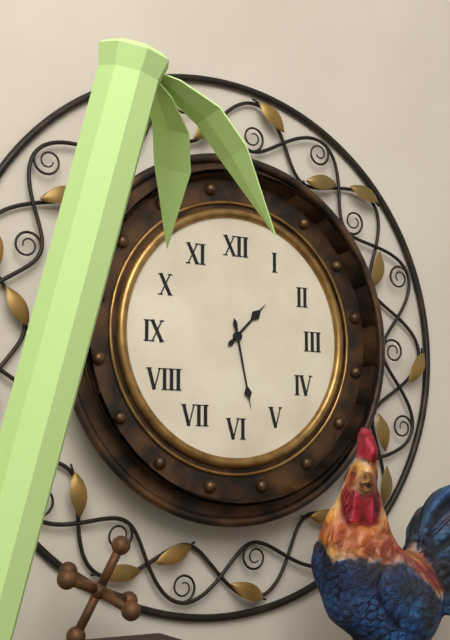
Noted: **1:28**
